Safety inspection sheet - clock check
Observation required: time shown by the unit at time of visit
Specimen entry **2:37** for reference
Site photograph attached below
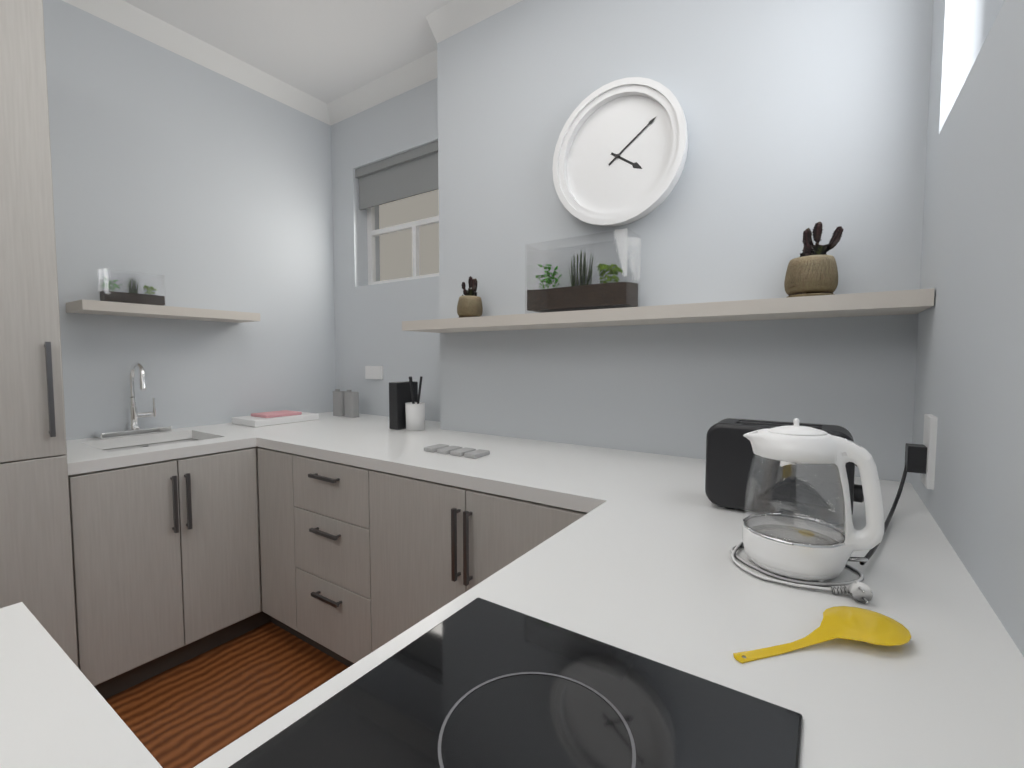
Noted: **4:09**
